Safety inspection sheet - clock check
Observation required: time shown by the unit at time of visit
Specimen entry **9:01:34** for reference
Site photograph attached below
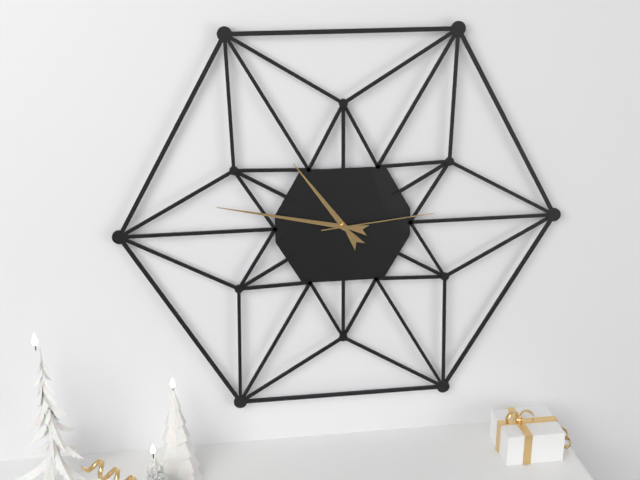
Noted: **10:47:14**
